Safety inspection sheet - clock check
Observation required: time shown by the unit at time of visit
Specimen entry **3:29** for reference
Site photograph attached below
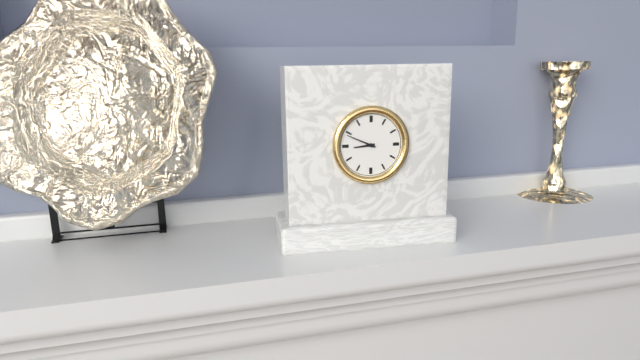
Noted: **8:49**
